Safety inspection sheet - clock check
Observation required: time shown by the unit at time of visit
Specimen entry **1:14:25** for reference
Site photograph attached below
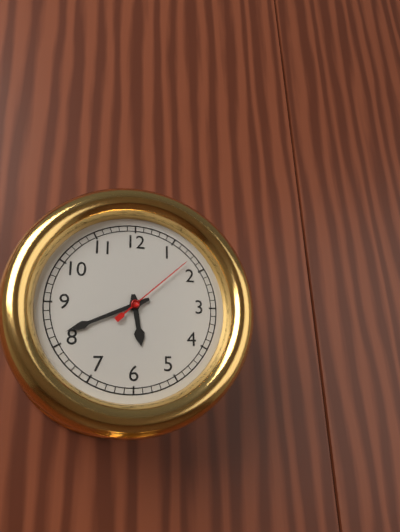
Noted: **5:41:08**
